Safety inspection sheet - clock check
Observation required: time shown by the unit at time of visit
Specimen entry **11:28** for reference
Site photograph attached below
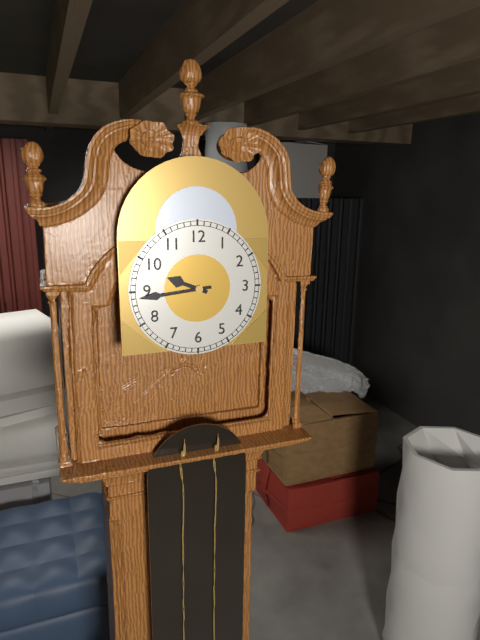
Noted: **9:44**
